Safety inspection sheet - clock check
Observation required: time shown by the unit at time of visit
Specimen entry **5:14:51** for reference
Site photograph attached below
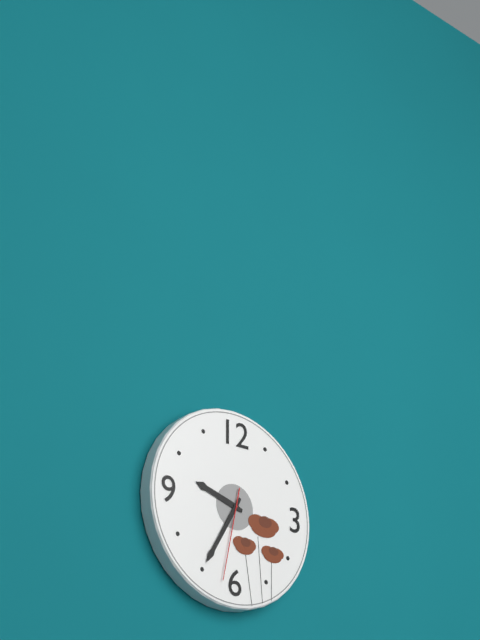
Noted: **9:35:32**
